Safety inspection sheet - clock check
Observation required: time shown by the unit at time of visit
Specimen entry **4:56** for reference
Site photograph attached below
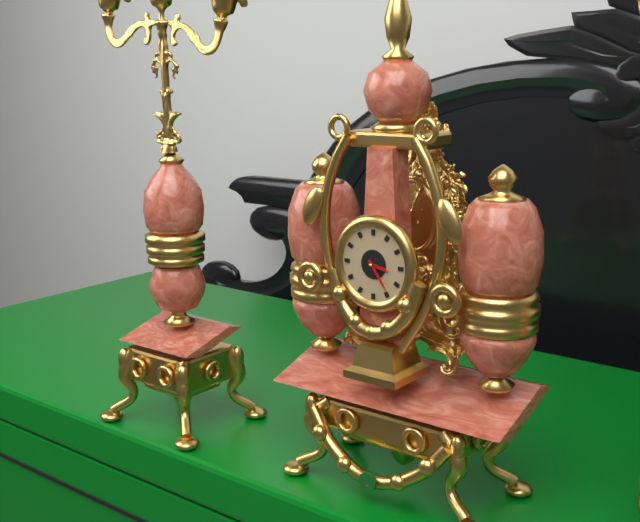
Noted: **3:24**
